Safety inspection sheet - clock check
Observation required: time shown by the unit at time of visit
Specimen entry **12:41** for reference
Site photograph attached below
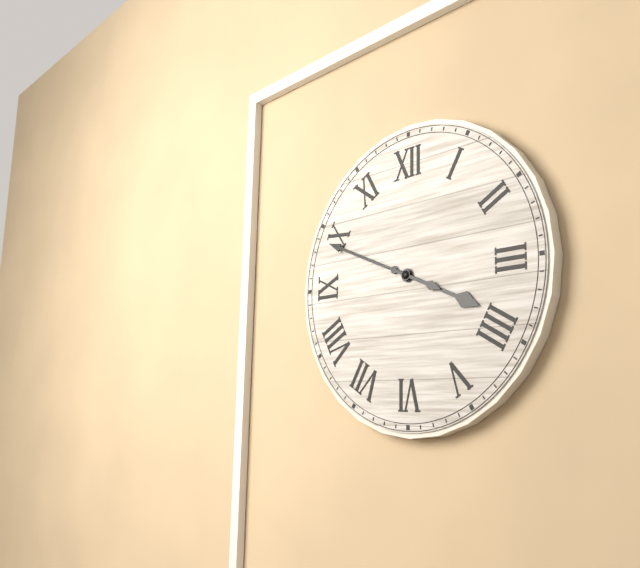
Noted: **3:49**
